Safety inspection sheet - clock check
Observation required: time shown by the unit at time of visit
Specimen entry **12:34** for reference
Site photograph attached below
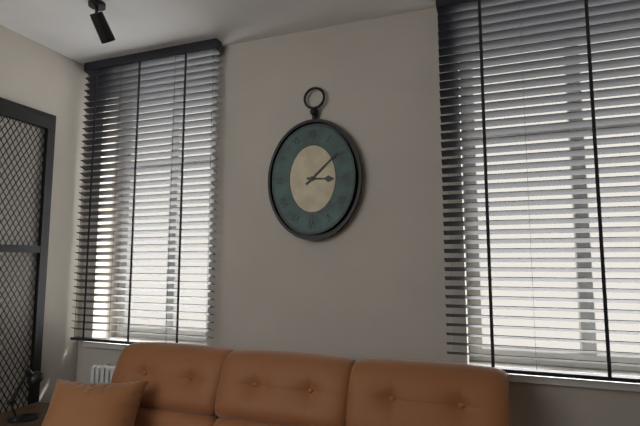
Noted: **3:08**
